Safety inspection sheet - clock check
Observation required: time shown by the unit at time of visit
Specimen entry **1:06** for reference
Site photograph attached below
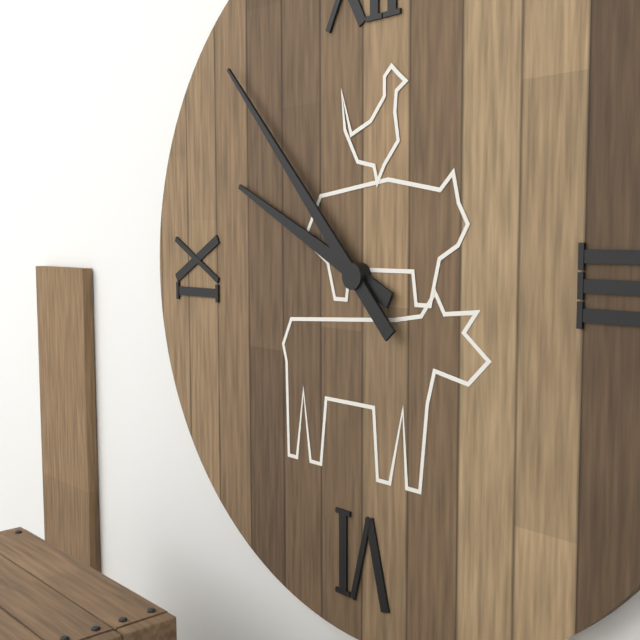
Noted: **9:53**
